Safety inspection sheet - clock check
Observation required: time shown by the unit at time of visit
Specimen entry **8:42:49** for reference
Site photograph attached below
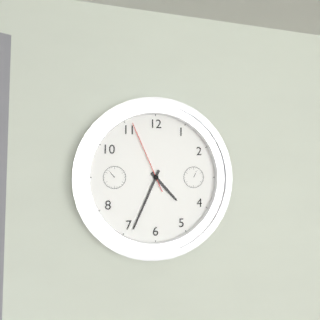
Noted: **4:34:56**
